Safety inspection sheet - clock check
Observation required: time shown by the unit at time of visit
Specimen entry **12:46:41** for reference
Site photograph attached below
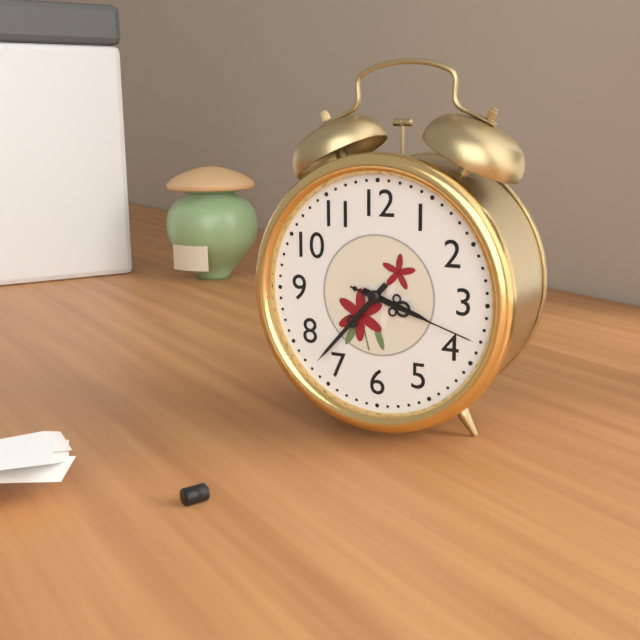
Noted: **3:37:18**
